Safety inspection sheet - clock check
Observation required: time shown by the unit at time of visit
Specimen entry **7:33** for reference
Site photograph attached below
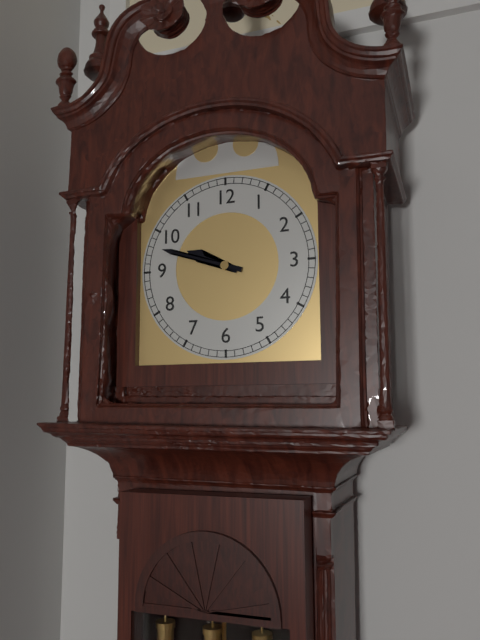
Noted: **9:48**
